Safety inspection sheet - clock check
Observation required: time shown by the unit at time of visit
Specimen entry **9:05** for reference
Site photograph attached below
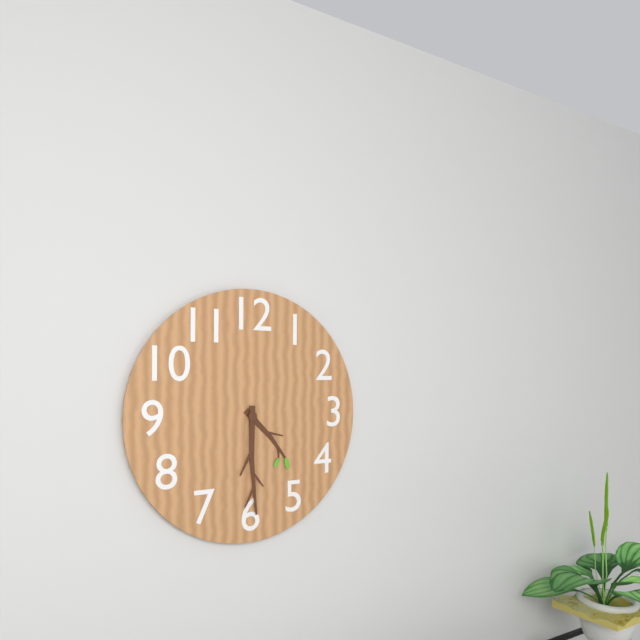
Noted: **4:30**
